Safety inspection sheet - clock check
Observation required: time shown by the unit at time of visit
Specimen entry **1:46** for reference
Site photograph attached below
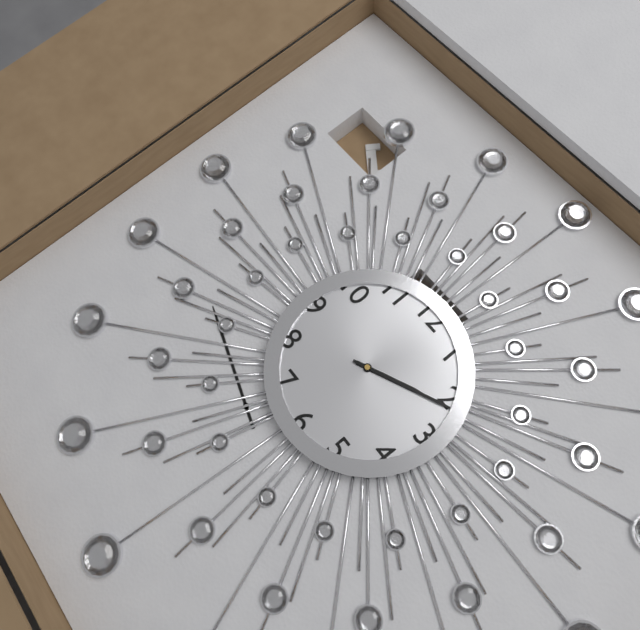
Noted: **2:11**
